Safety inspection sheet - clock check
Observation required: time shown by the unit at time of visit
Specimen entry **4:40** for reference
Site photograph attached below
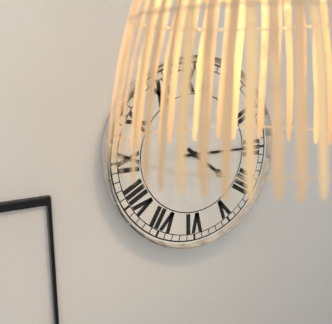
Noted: **4:15**
